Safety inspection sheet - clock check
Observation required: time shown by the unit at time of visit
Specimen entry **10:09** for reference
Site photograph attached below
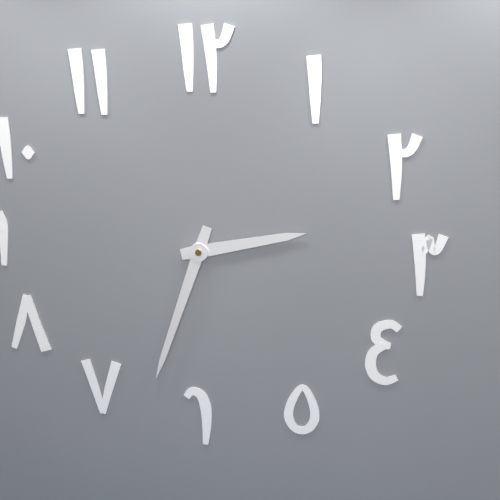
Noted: **2:33**
